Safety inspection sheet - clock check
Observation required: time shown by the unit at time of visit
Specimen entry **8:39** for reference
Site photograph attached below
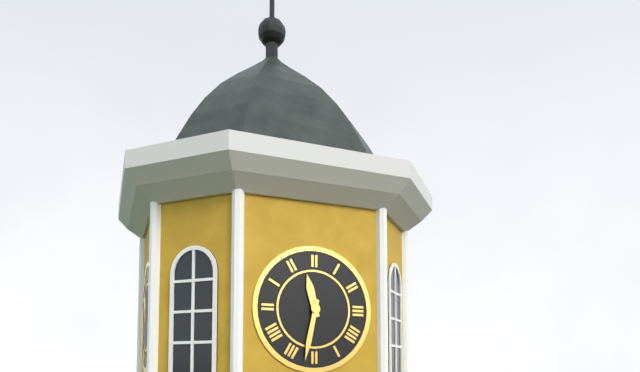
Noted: **11:32**
